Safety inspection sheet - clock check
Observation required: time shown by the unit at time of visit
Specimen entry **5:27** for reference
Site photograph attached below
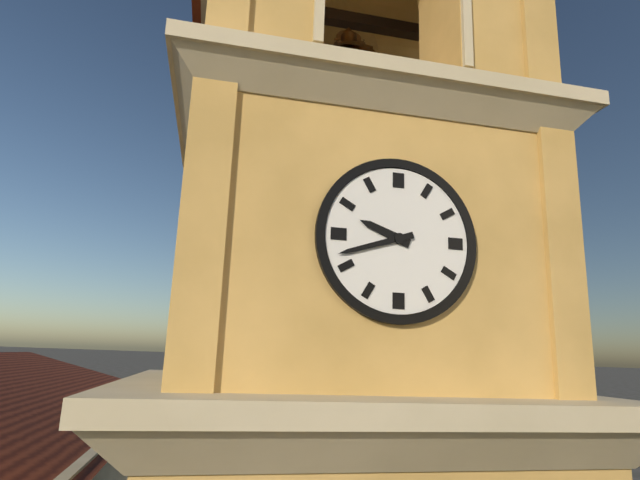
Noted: **9:42**
